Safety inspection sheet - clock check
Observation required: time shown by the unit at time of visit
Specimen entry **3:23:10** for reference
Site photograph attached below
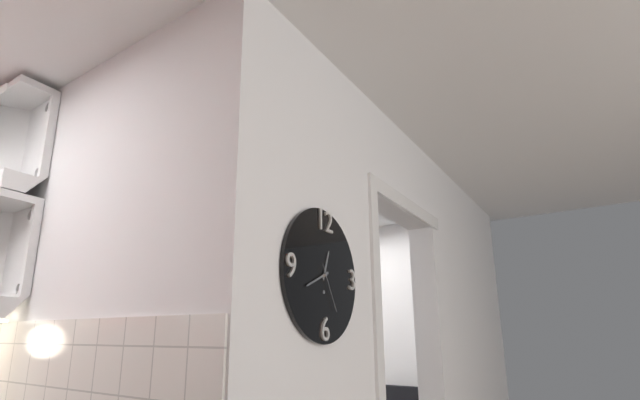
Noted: **12:41:25**
